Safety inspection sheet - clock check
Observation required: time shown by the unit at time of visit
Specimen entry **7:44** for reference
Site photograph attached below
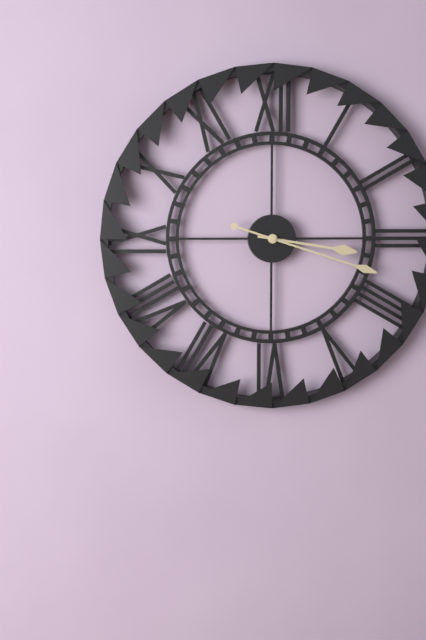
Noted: **3:18**
